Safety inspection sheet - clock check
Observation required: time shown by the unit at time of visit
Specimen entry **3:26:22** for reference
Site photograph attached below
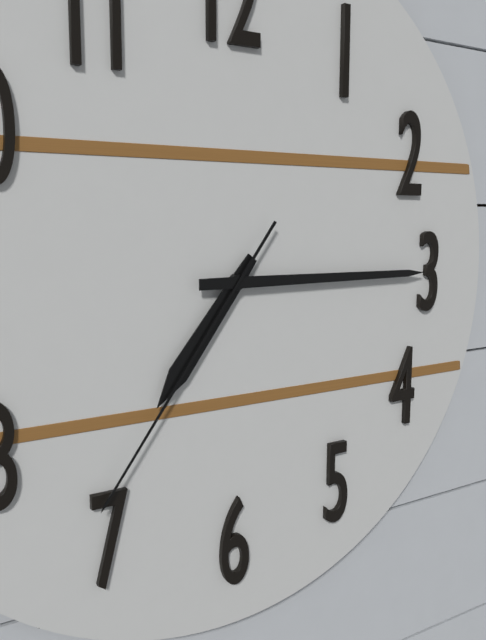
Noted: **7:15:36**
